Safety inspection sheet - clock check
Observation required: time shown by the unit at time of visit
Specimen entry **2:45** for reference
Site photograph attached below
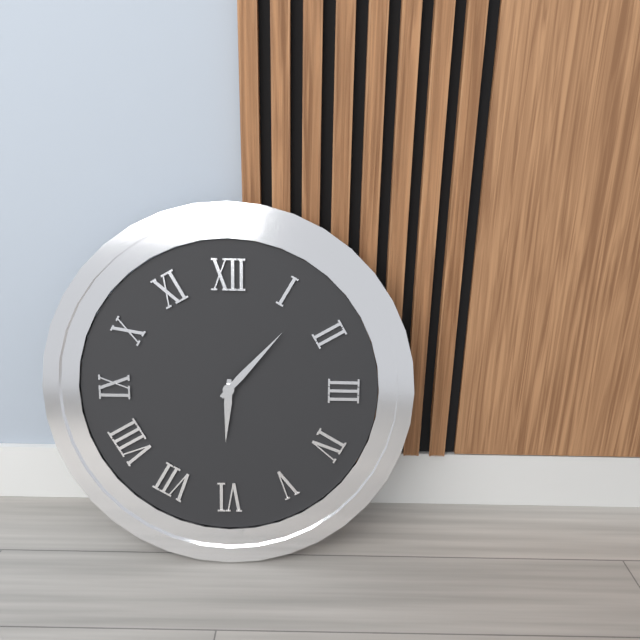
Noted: **6:07**
